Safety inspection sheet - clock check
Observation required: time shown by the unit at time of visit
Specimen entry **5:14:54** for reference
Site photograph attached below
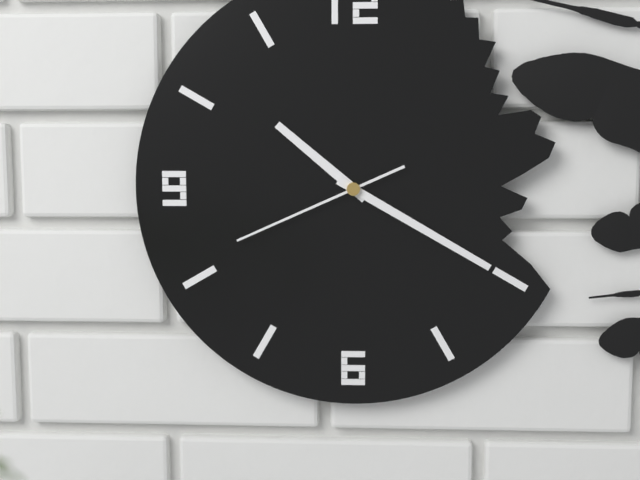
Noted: **10:20:41**
